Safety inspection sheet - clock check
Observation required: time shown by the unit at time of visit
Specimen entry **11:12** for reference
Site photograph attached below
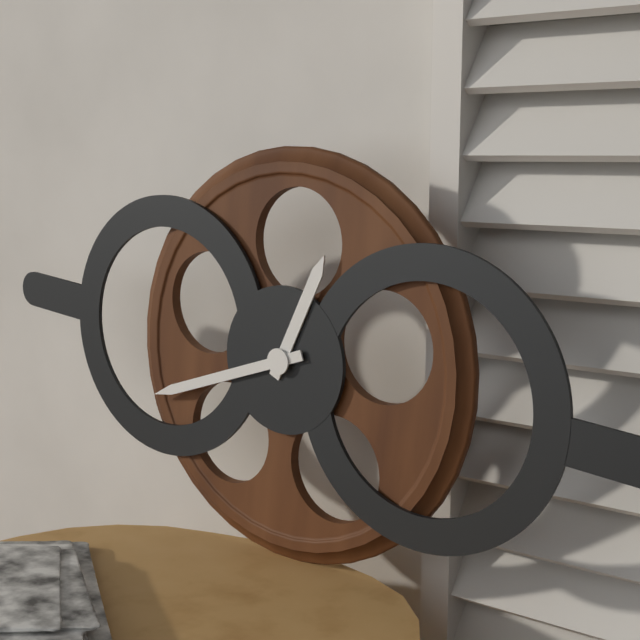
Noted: **12:41**
